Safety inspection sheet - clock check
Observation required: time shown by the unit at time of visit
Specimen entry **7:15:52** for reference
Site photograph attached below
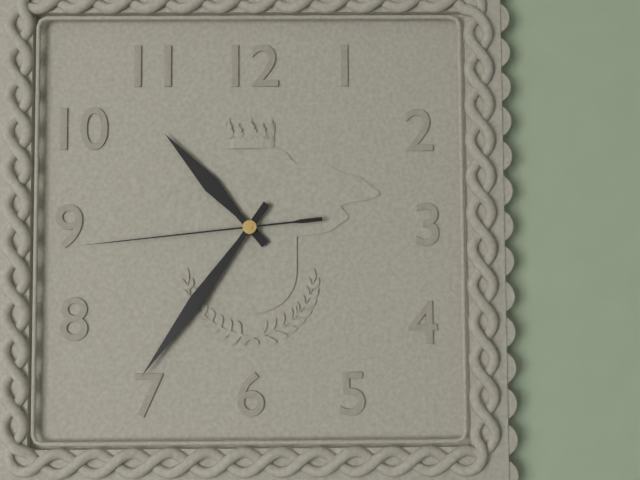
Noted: **10:36:44**
